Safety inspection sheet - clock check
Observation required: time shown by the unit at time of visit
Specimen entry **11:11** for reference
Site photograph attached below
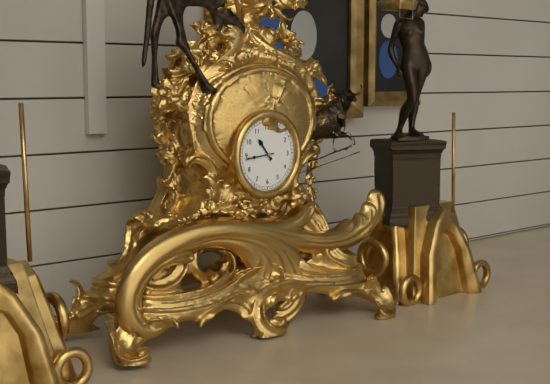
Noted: **10:44**
